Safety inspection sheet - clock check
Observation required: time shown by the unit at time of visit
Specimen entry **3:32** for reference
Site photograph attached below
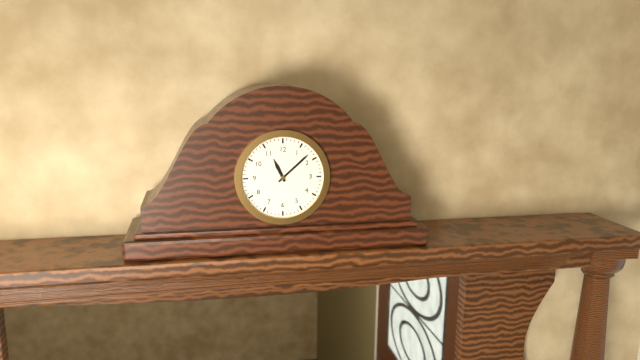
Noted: **11:08**
